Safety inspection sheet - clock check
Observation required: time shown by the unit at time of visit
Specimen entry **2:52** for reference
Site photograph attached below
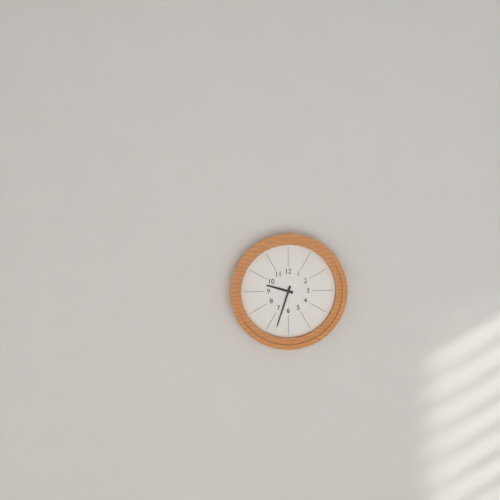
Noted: **9:33**
